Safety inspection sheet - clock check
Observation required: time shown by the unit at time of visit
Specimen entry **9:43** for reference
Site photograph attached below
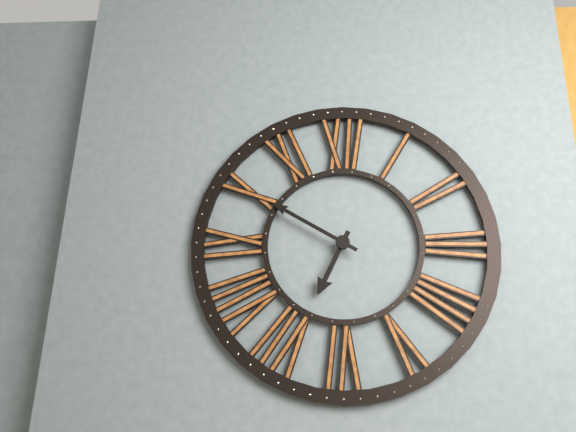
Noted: **6:50**
